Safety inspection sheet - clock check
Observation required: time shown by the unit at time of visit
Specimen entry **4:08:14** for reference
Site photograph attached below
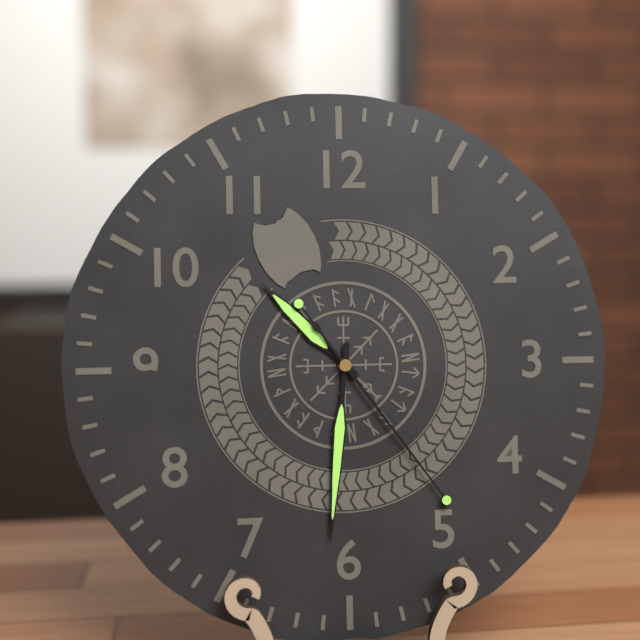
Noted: **10:31:24**
